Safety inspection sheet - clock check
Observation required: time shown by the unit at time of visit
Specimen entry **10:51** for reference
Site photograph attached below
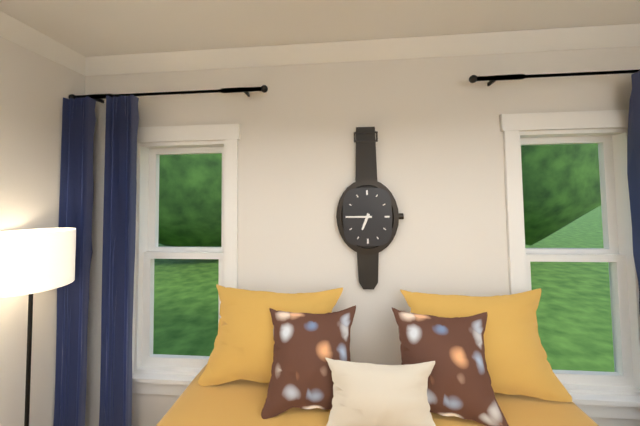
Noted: **6:45**
